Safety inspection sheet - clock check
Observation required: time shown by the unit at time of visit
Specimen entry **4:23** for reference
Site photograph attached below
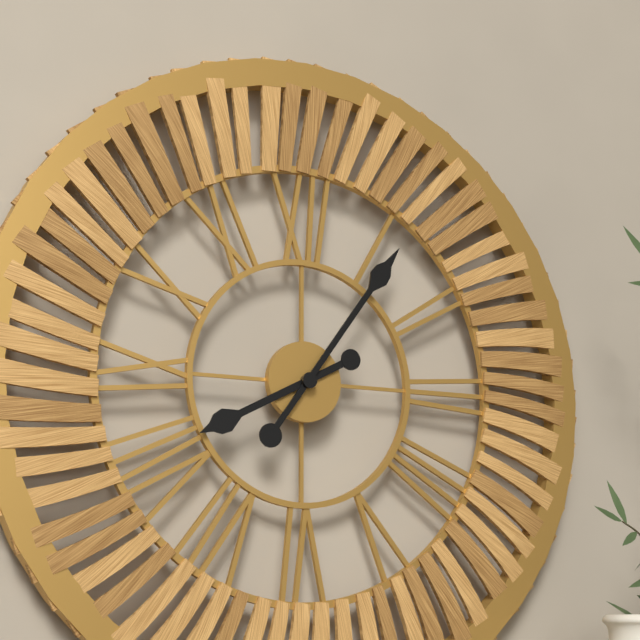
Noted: **8:06**
